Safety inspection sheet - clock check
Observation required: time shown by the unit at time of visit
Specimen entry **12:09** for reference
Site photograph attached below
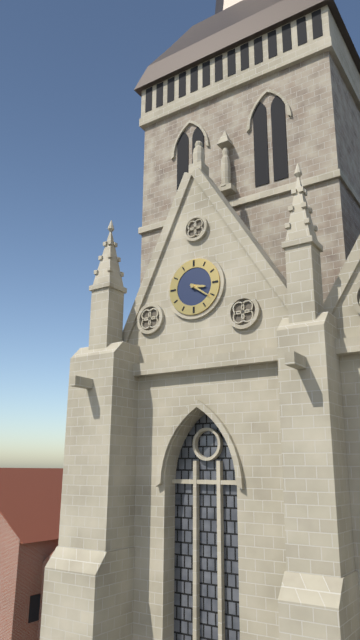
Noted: **3:21**
